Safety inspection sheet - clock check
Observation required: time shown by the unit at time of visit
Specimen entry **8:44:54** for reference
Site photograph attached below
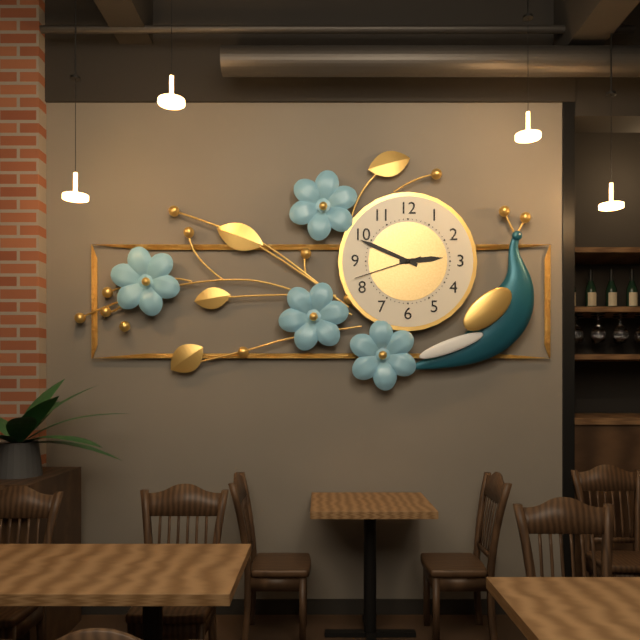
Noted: **2:49:42**
